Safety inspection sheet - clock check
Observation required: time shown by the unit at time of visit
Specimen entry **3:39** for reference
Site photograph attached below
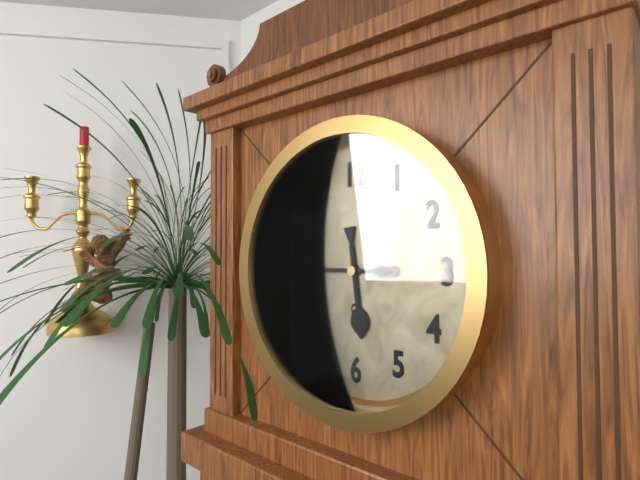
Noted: **5:45**
